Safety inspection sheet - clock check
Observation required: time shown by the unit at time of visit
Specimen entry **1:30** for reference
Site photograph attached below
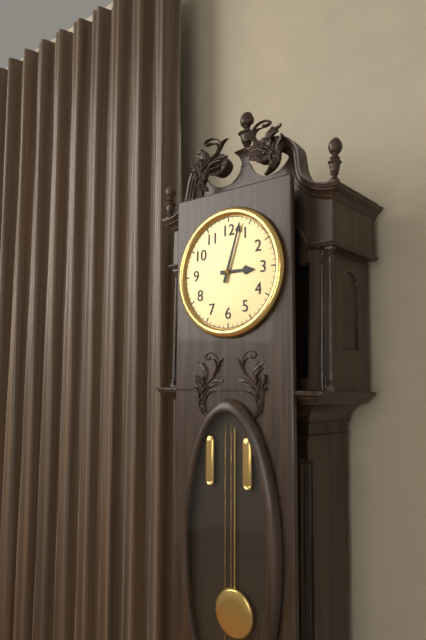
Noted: **3:03**
